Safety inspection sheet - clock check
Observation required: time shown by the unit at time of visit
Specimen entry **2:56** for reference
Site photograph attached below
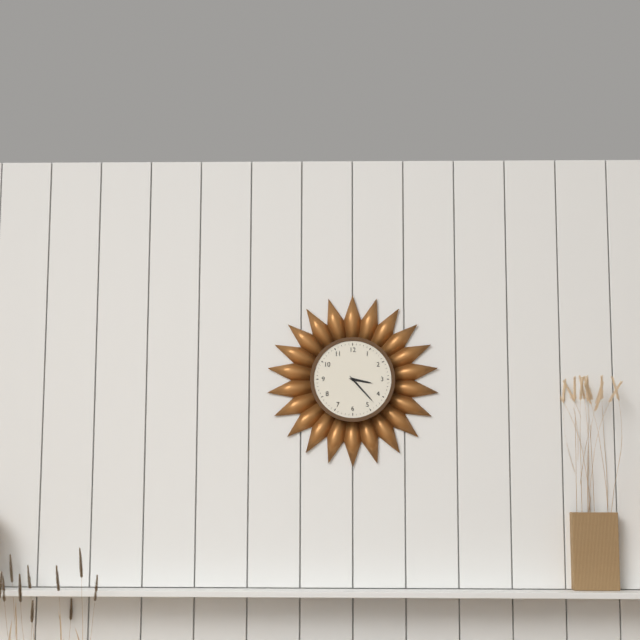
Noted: **3:23**
